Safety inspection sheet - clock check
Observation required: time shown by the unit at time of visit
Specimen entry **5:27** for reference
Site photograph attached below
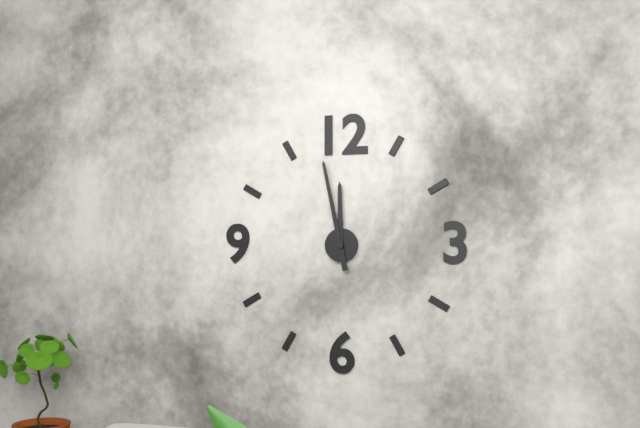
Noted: **11:58**
